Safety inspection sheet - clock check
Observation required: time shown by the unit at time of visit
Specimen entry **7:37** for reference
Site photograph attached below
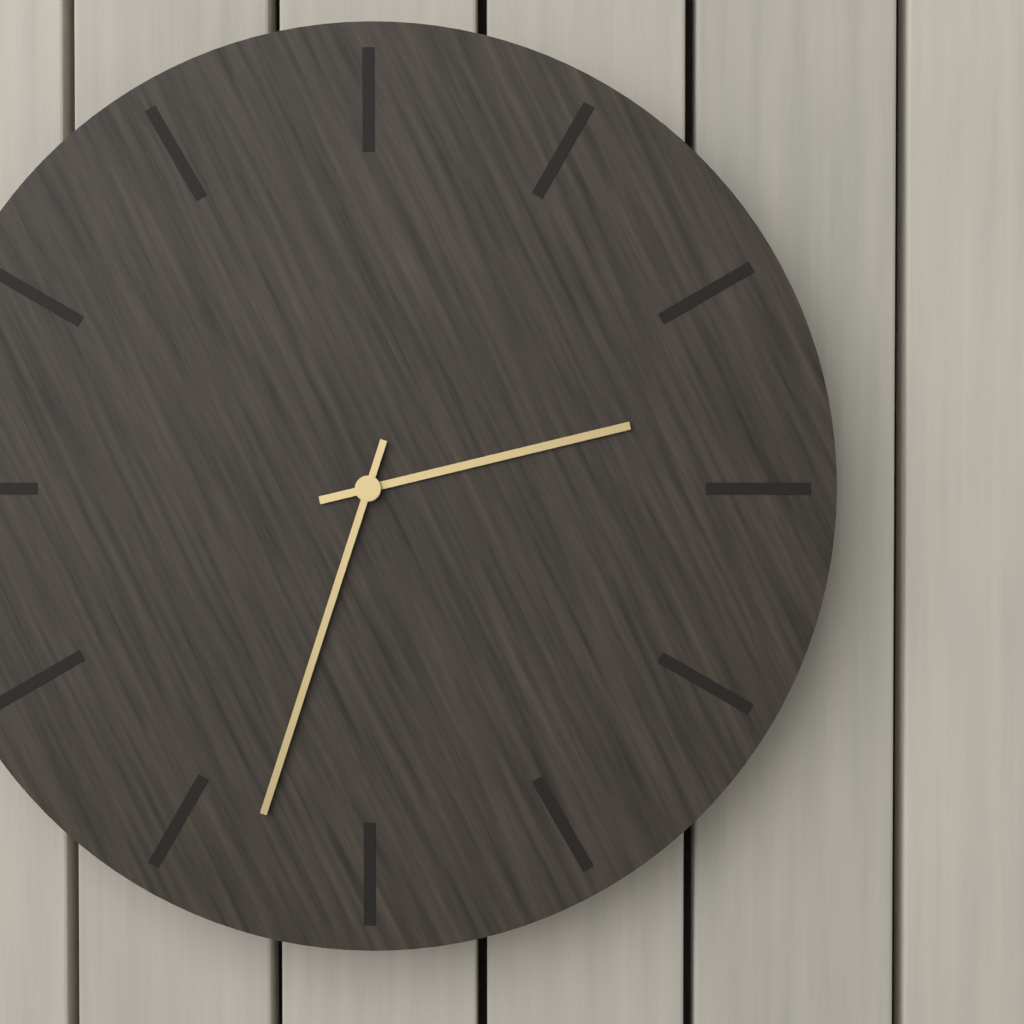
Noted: **2:33**
